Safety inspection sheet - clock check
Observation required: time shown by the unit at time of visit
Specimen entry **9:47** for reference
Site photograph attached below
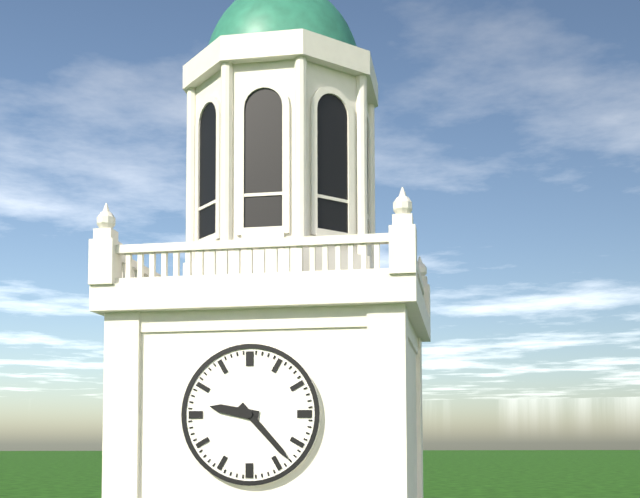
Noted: **9:23**
